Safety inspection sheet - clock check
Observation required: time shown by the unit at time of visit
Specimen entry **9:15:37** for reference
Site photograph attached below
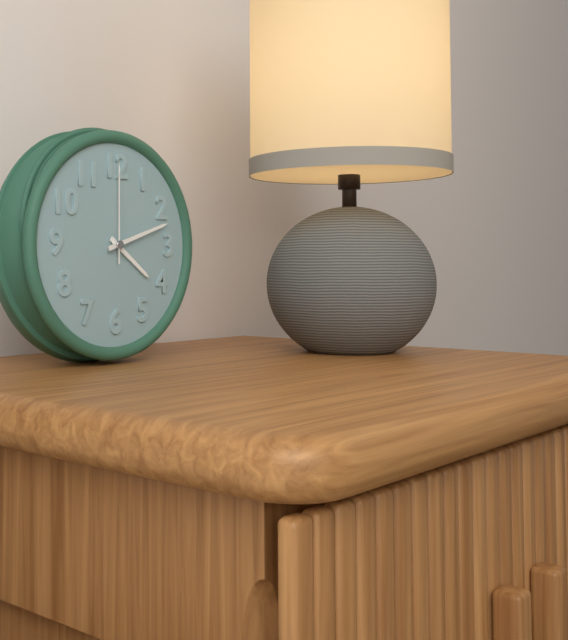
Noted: **4:12:00**
